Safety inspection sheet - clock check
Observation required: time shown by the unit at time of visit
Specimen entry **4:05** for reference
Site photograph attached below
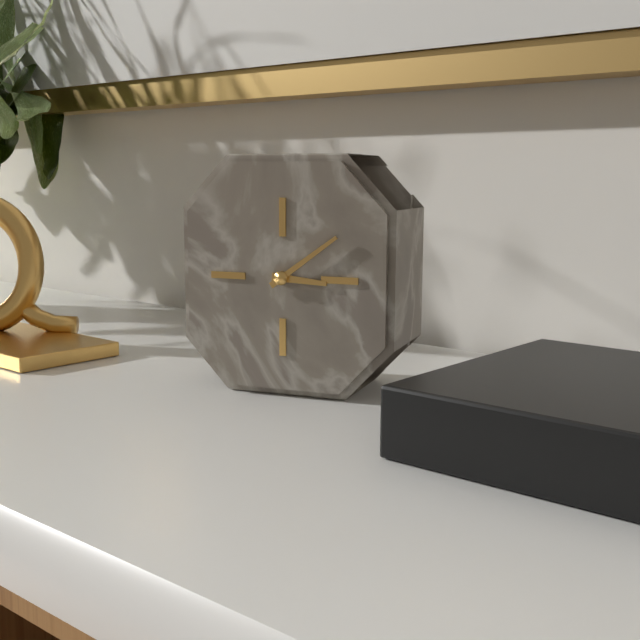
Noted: **3:09**
